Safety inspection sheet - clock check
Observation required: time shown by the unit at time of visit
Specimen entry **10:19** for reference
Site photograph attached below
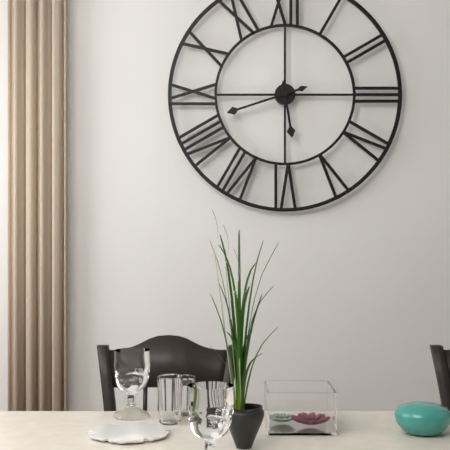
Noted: **5:42**
